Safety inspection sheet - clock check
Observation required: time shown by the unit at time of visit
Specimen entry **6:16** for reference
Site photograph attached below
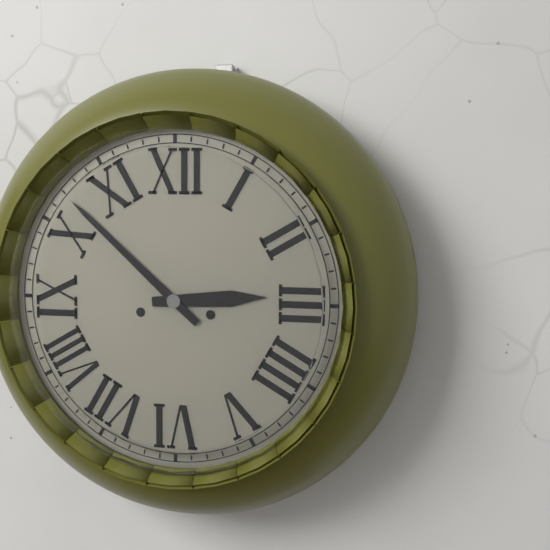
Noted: **2:52**
